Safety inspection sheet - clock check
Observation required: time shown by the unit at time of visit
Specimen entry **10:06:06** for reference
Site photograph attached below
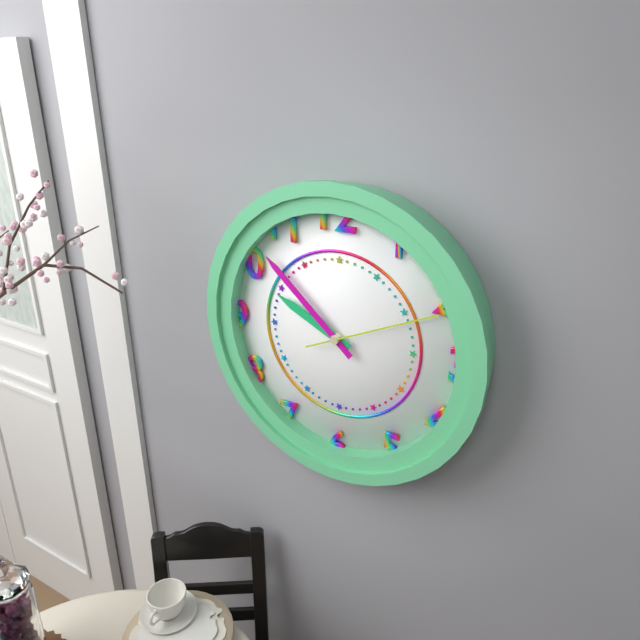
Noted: **9:52:11**
